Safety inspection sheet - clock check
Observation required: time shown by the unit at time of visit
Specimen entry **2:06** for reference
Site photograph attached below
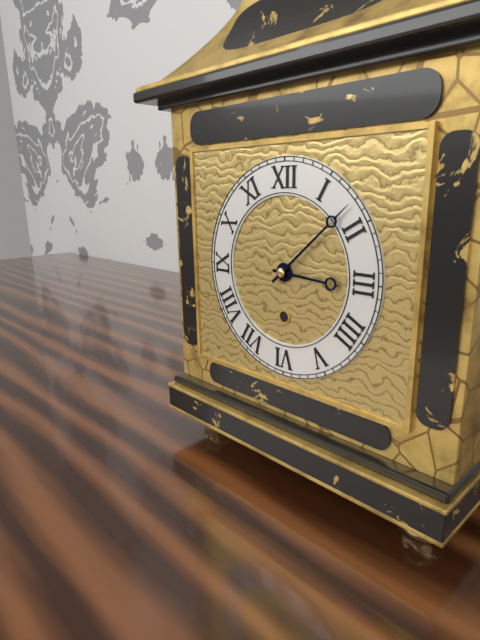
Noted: **3:08**
